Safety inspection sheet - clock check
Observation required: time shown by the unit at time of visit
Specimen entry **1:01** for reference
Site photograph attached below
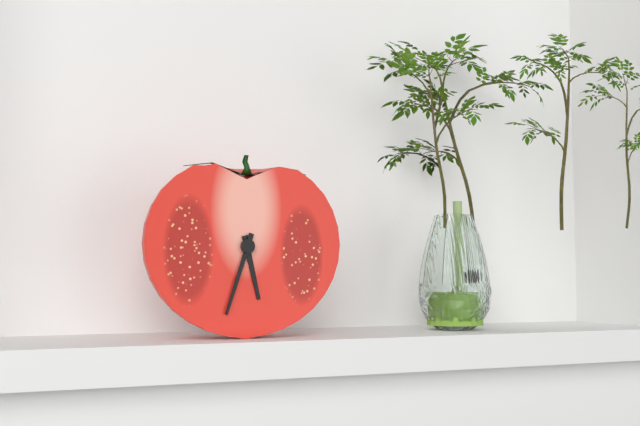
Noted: **5:33**
